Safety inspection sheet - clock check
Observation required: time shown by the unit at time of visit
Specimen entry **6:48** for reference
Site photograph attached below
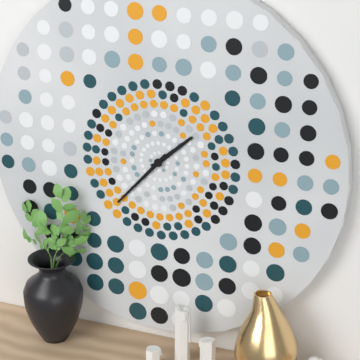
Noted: **1:37**
